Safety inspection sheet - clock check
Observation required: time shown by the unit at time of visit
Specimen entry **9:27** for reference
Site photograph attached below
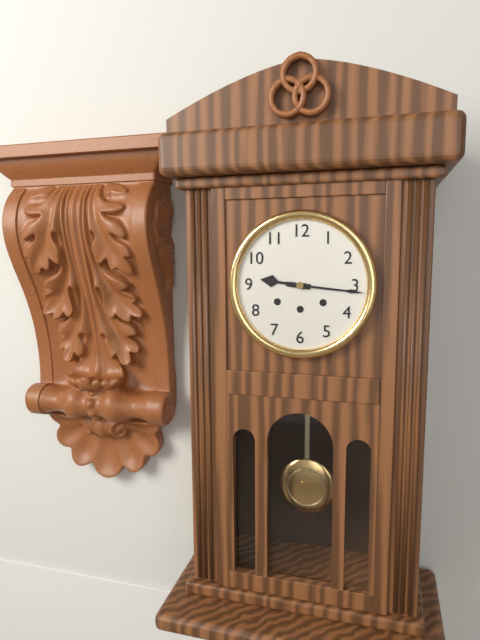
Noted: **9:16**
